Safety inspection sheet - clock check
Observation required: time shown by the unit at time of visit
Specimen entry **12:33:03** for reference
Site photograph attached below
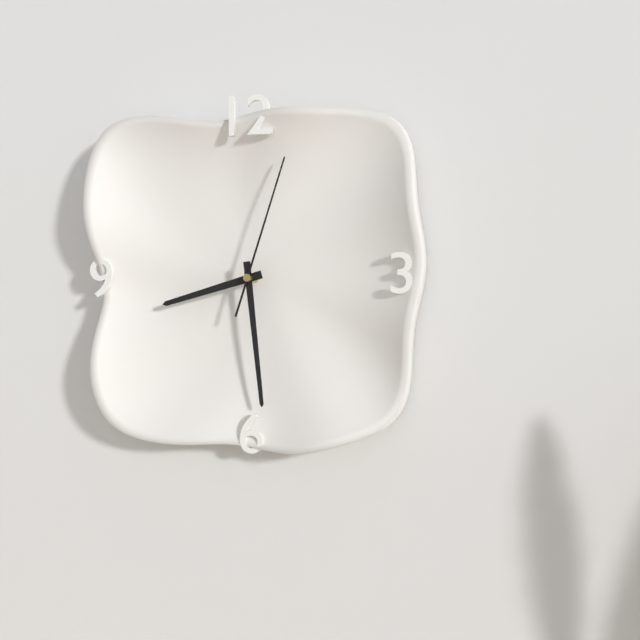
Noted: **8:29:03**
